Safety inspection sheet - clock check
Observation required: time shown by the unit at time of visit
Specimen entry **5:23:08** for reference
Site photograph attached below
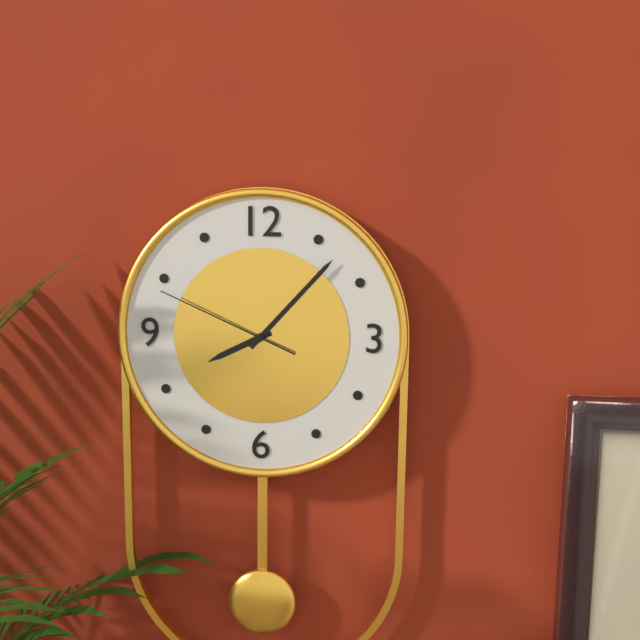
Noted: **8:07:49**
